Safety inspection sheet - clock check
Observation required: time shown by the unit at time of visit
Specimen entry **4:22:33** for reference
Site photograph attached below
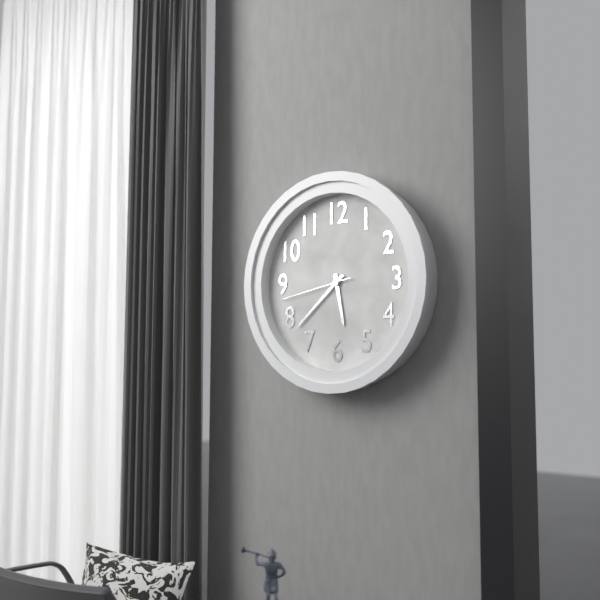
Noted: **5:38:43**
